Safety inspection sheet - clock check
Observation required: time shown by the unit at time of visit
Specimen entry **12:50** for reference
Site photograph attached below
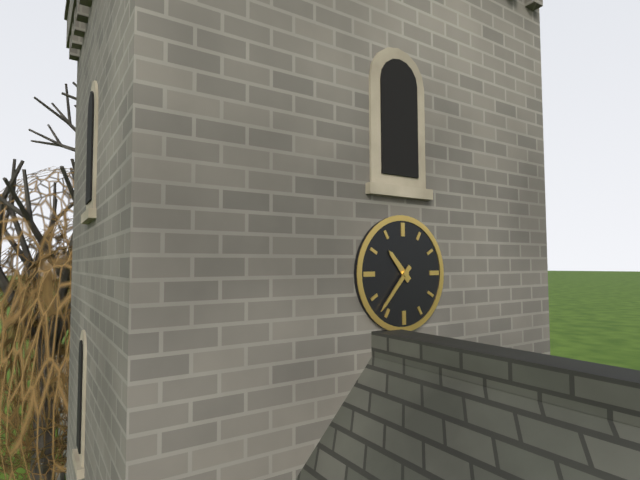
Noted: **10:37**
